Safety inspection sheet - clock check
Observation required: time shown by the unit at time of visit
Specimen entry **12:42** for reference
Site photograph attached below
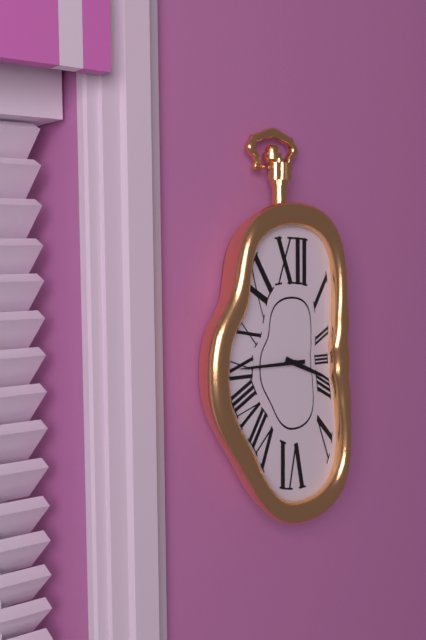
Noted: **3:45**
